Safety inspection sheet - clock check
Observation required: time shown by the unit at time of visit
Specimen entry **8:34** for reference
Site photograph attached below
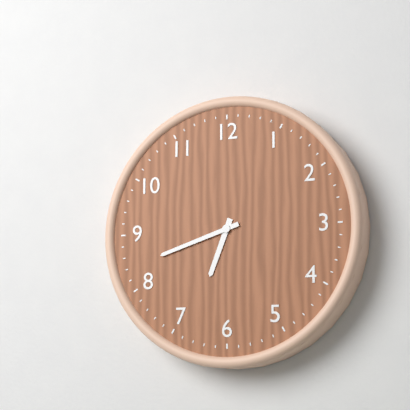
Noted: **6:42**
